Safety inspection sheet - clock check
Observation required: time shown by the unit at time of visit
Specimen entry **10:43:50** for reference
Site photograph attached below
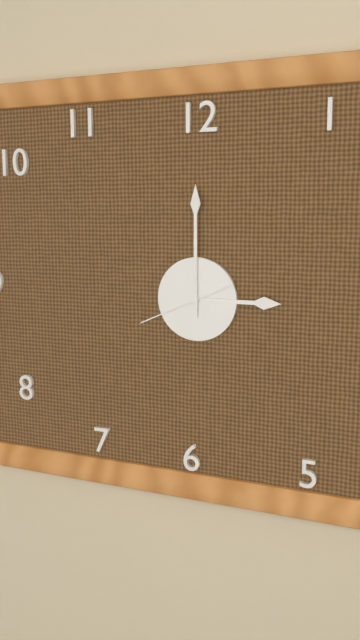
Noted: **3:00:41**
